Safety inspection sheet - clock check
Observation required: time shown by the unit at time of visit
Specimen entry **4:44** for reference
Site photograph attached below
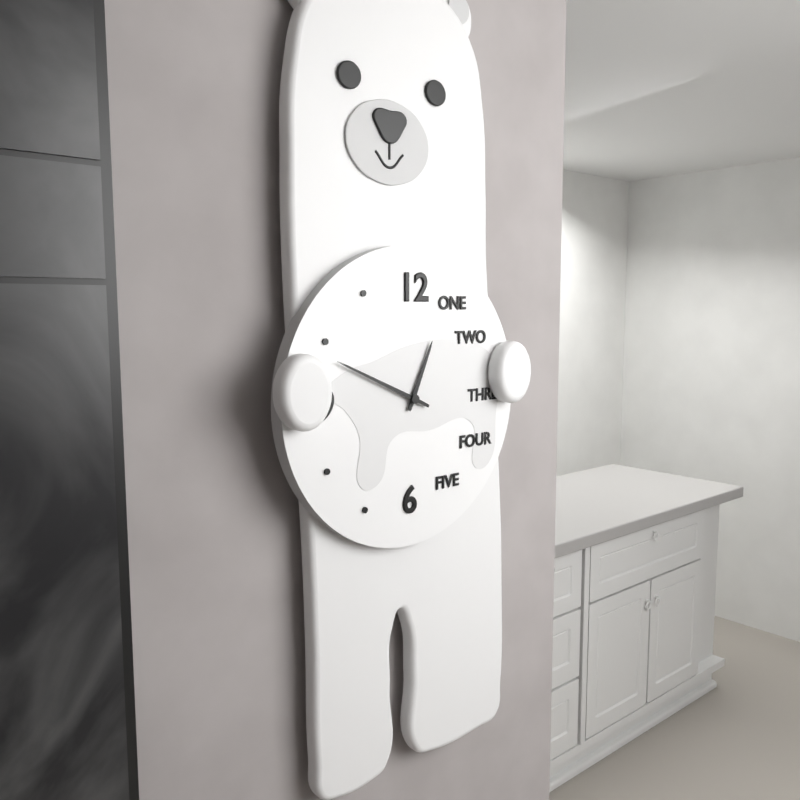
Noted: **12:49**
